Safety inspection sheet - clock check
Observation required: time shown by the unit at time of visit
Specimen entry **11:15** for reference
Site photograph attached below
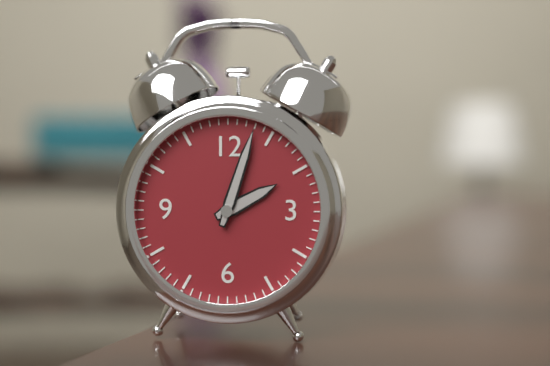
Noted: **2:03**
